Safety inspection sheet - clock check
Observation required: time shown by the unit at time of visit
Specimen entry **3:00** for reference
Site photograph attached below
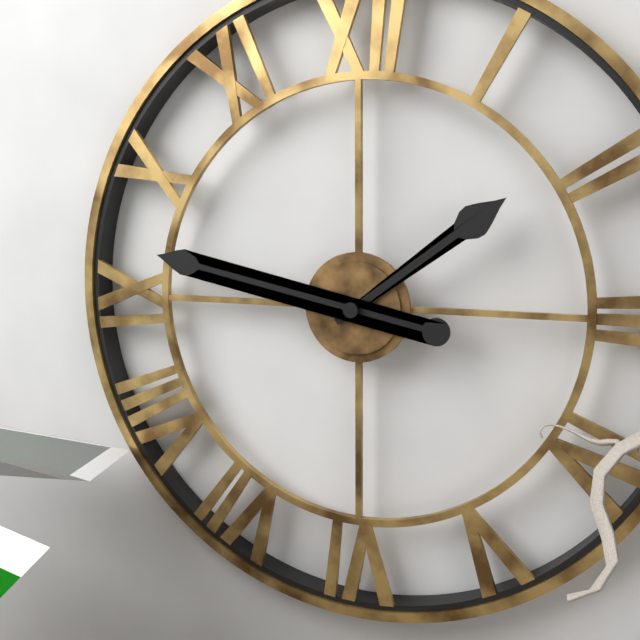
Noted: **1:47**
